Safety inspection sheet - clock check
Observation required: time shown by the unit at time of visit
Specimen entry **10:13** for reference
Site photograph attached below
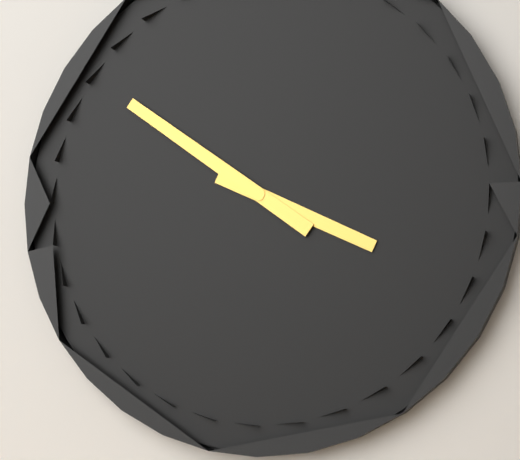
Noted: **3:51**
